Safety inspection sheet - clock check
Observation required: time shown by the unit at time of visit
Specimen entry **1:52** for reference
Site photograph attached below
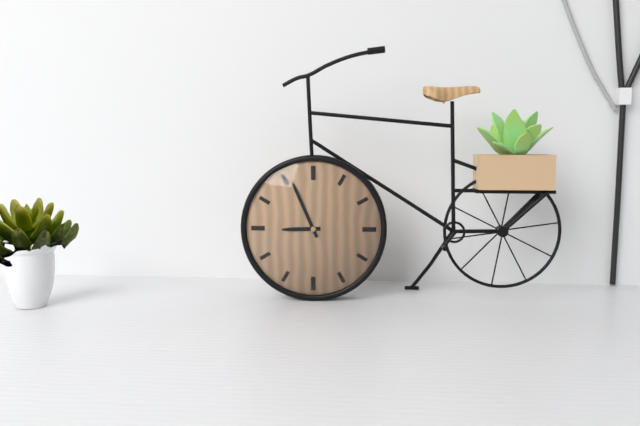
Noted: **8:56**
